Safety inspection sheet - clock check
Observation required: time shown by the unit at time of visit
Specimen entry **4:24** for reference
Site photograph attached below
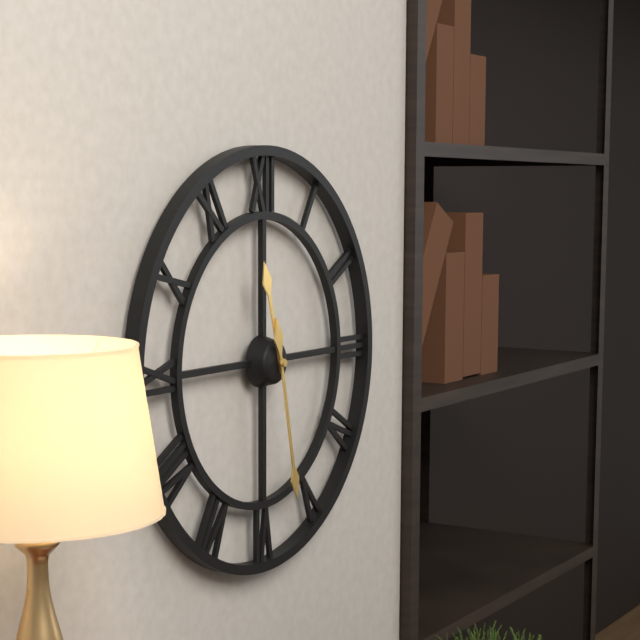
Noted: **11:28**
